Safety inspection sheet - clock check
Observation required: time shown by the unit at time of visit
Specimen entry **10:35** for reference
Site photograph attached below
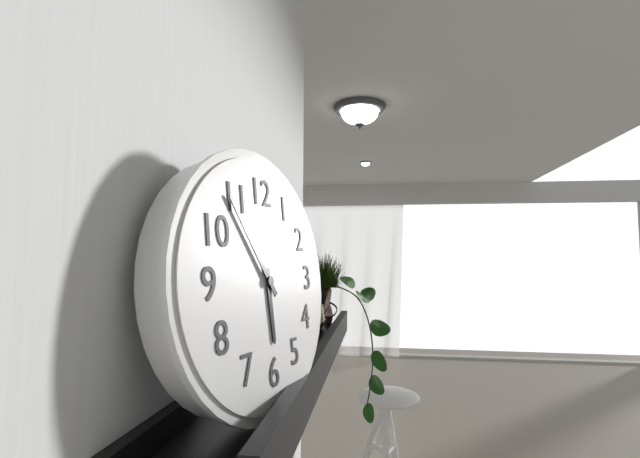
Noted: **5:54**
